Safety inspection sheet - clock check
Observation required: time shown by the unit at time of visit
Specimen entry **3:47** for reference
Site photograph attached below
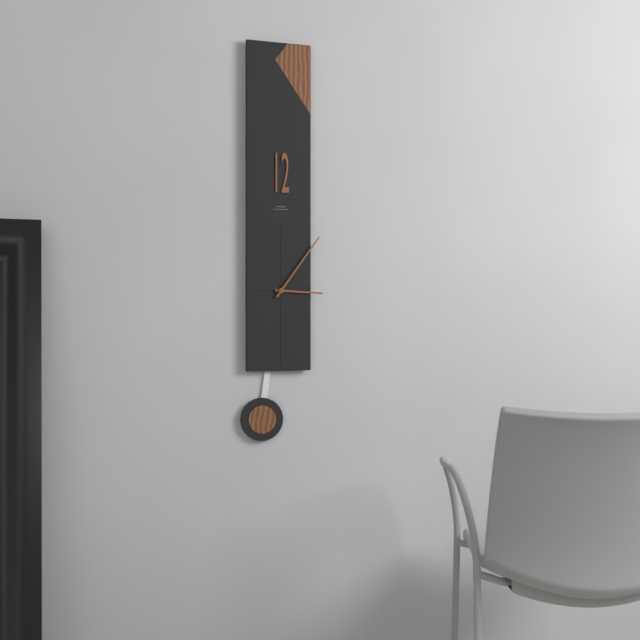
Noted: **3:06**
